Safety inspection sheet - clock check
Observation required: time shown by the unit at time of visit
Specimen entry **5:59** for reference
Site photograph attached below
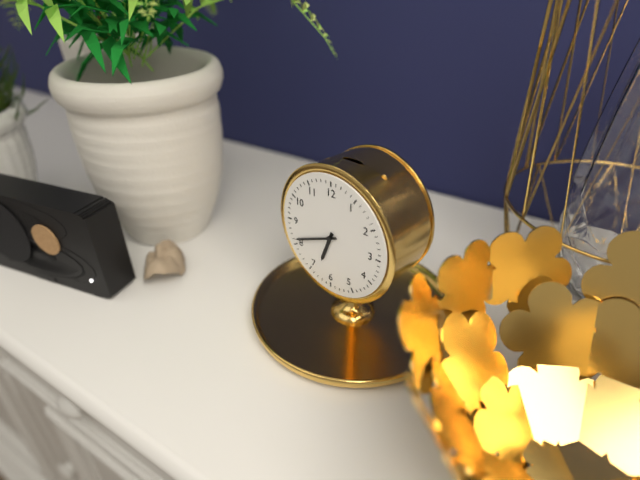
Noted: **6:41**
